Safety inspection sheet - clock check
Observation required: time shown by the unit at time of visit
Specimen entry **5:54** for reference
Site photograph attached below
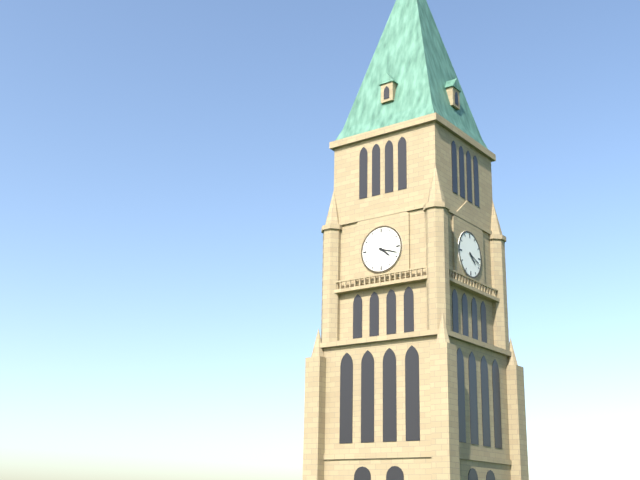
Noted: **4:18**
